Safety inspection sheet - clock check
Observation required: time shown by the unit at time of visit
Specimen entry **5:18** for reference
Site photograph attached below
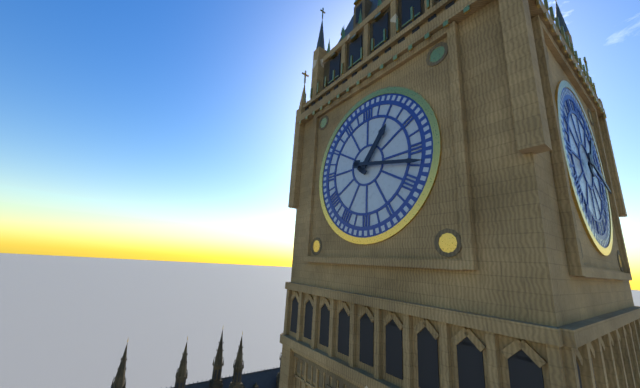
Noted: **1:17**
